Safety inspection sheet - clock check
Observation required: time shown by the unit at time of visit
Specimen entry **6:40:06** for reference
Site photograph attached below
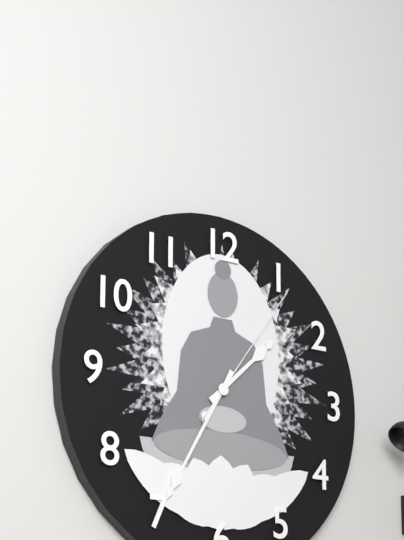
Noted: **1:35:06**
